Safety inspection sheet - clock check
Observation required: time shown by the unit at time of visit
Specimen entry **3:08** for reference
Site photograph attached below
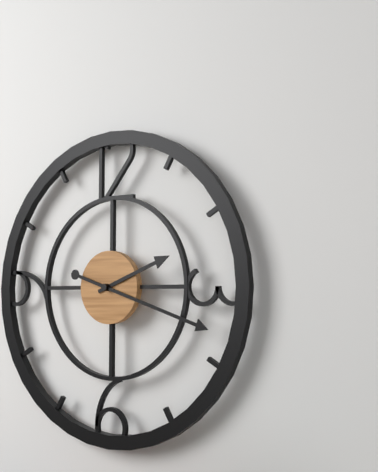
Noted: **2:18**
